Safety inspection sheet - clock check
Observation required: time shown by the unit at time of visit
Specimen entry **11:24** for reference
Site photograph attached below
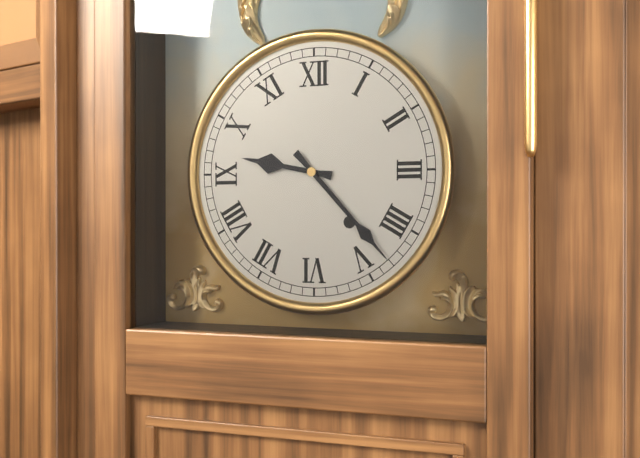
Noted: **9:23**
